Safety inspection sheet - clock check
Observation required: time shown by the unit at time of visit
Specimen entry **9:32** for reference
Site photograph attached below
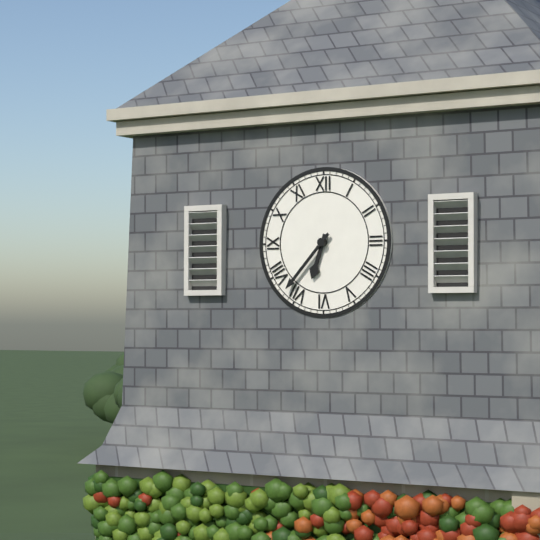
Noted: **6:37**
